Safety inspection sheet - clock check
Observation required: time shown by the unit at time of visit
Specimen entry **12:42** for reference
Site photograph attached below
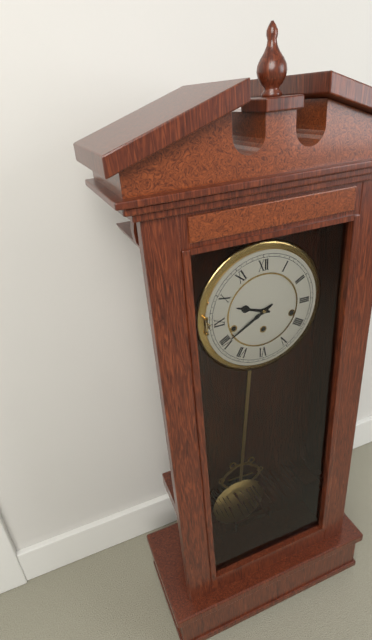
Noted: **9:40**
